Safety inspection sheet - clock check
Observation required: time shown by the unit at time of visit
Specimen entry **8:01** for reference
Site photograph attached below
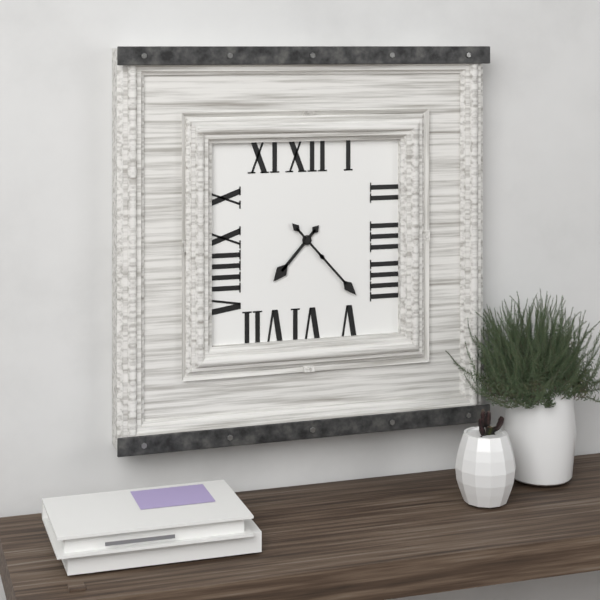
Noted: **7:23**
